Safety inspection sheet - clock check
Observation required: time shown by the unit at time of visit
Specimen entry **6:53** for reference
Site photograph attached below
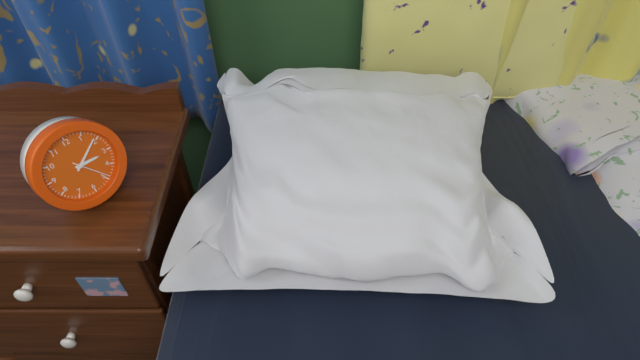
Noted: **3:09**
